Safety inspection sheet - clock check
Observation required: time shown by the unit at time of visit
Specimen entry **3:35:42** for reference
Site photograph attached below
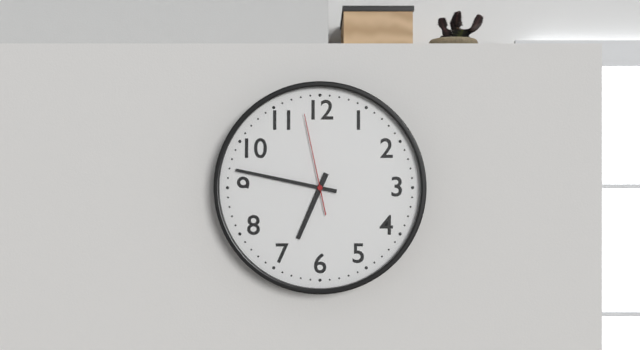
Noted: **6:47:58**
